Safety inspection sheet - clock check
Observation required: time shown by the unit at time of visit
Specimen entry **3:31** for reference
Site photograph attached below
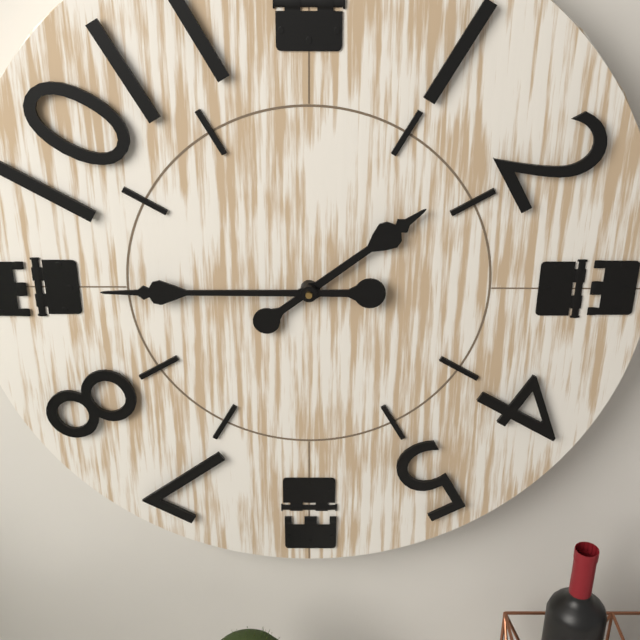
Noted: **1:45**
